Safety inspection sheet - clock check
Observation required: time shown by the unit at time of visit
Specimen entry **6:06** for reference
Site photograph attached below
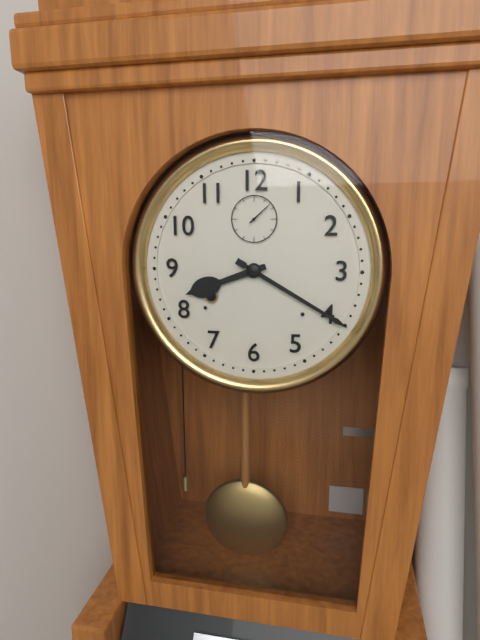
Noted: **8:20**
